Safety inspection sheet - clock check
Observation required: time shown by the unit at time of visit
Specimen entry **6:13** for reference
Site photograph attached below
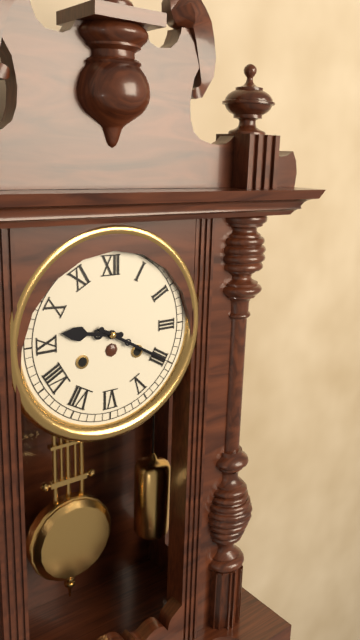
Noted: **9:20**
